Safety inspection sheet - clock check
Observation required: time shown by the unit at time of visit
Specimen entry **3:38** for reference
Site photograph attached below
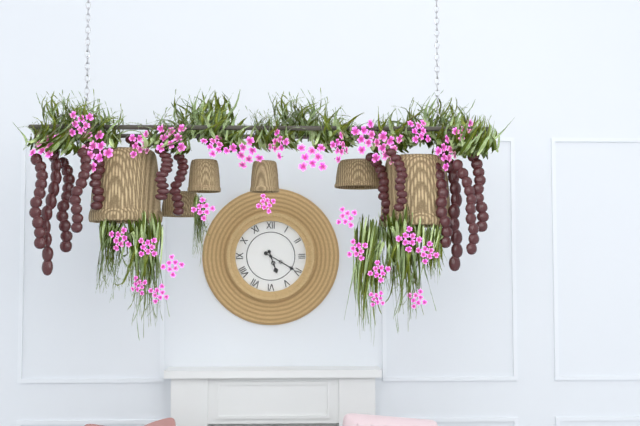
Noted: **5:20**
